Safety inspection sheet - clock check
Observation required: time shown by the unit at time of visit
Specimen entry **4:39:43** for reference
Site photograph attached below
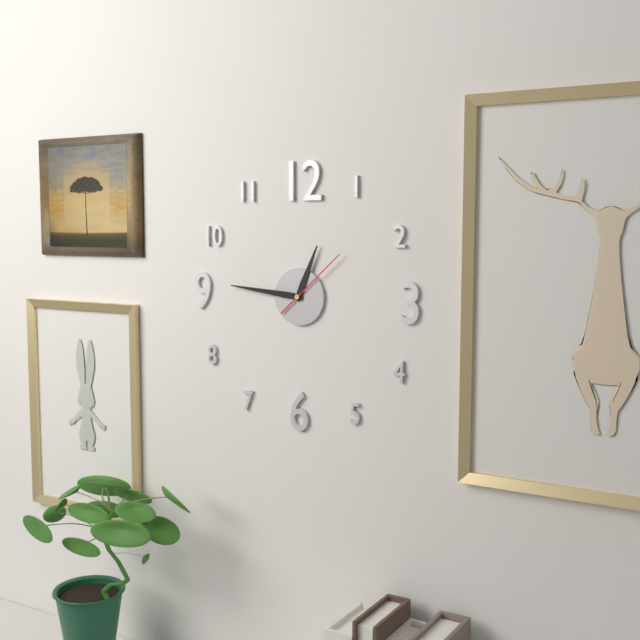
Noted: **12:46:08**
